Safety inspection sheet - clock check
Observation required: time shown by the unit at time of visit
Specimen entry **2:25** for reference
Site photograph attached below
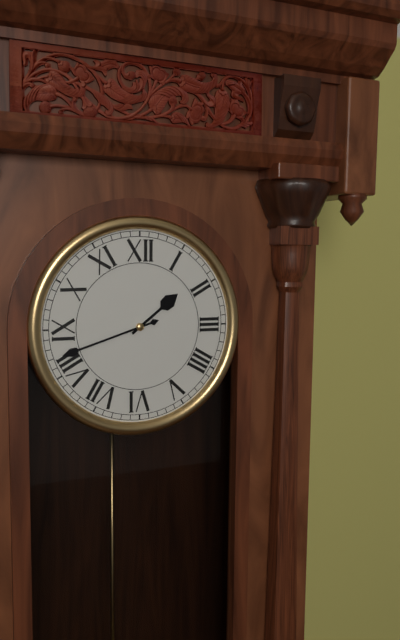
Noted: **1:42**
